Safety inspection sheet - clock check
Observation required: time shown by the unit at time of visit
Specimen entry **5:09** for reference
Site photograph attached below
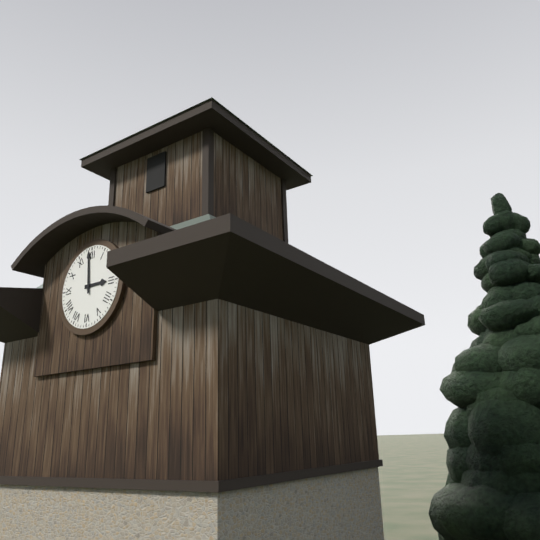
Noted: **2:59**
